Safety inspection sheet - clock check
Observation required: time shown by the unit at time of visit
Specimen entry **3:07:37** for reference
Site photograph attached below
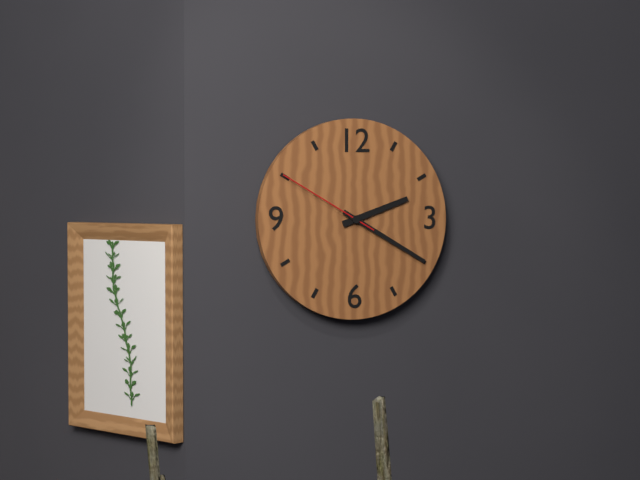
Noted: **2:20:50**
